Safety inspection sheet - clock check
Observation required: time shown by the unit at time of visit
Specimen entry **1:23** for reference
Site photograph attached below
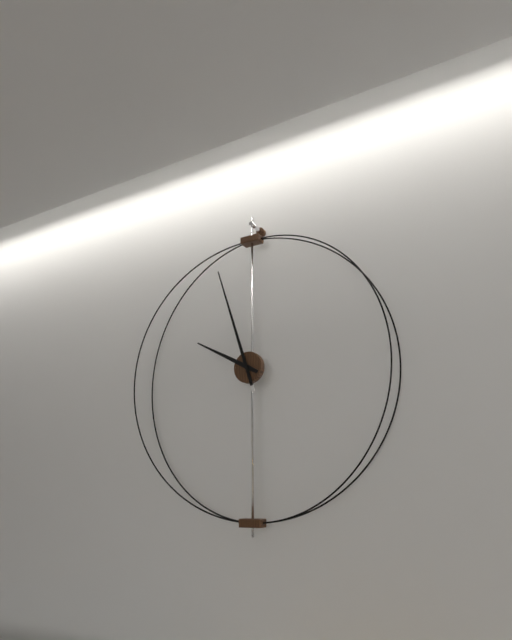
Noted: **9:57**
